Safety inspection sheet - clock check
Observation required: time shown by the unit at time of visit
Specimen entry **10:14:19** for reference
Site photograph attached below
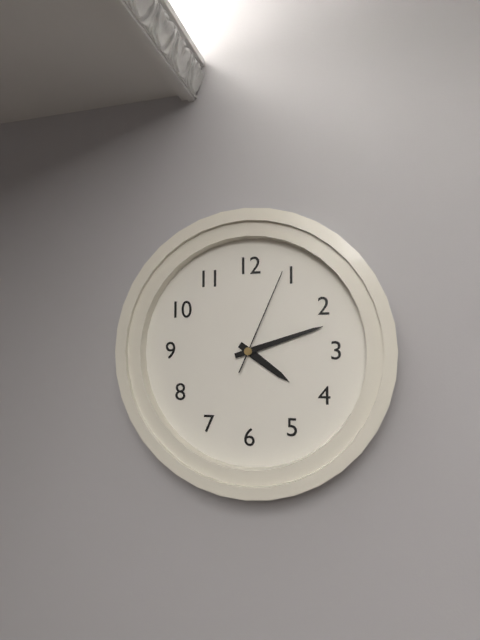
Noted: **4:12:04**
